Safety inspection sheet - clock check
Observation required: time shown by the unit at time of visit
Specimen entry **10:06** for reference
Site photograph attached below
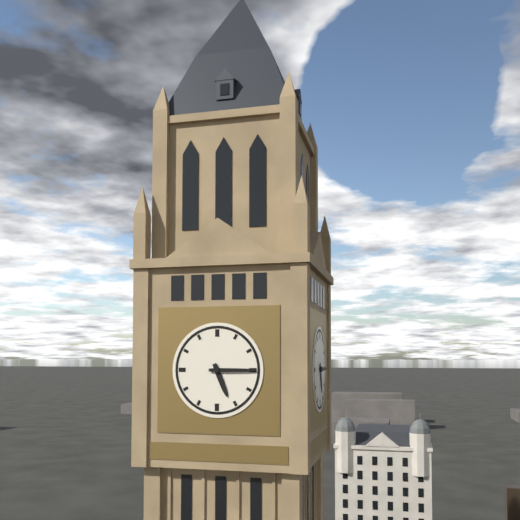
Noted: **5:15**
